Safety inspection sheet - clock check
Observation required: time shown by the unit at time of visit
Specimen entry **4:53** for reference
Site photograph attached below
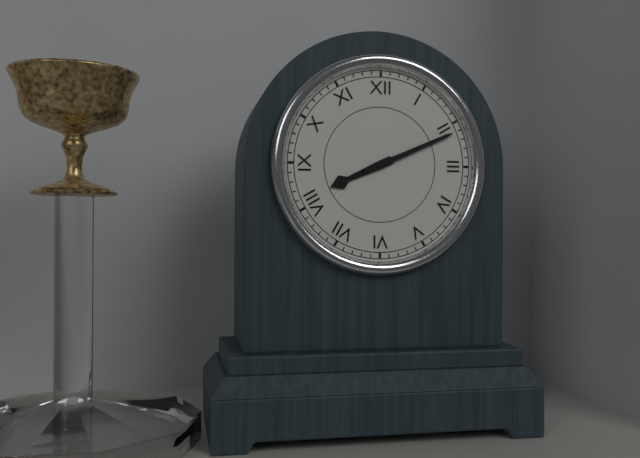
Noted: **8:11**
